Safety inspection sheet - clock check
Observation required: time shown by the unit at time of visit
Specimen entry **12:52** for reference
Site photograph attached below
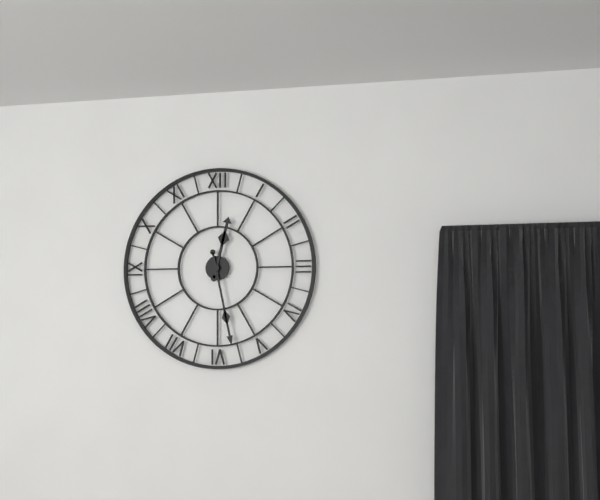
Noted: **12:28**
